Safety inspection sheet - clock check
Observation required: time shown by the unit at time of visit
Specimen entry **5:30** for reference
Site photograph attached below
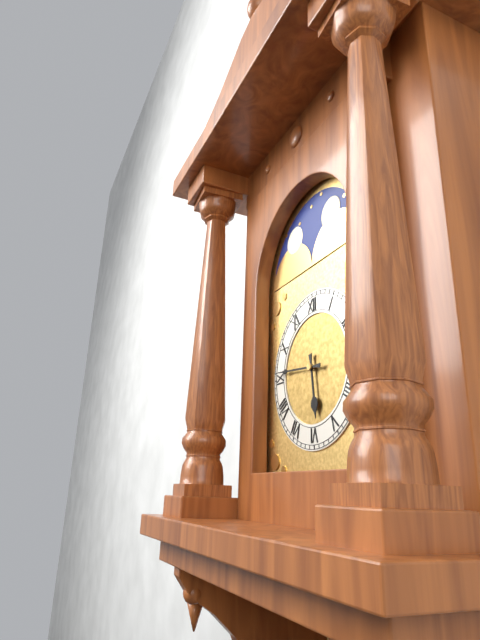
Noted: **5:46**
